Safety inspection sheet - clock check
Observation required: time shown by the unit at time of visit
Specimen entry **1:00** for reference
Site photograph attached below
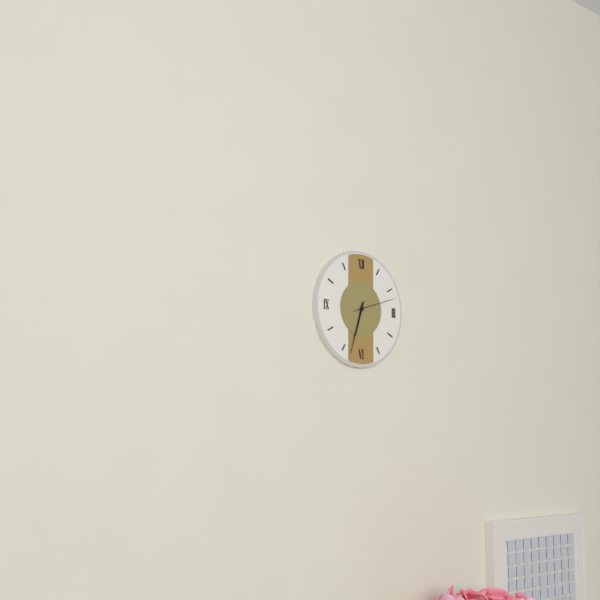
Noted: **6:33**
